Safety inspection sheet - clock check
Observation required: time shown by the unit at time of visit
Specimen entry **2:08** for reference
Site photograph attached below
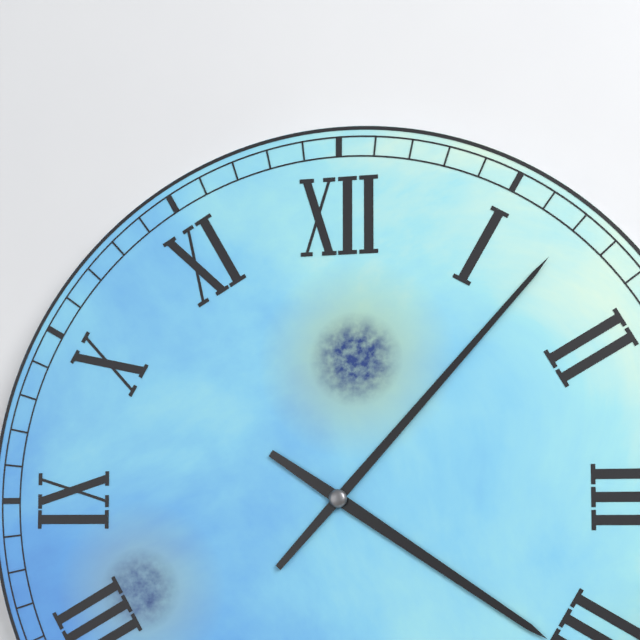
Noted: **4:07**
